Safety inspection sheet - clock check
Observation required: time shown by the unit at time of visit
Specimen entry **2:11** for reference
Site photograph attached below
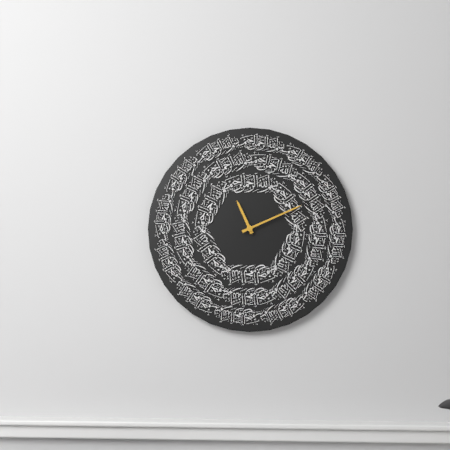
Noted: **11:11**
